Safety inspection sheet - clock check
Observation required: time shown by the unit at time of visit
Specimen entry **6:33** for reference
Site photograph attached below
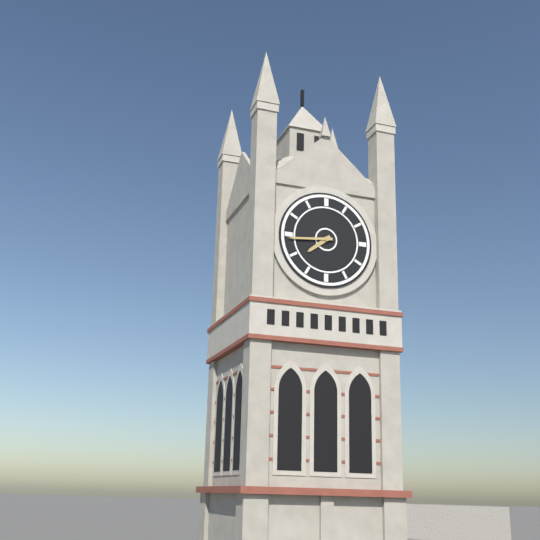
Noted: **7:44**
